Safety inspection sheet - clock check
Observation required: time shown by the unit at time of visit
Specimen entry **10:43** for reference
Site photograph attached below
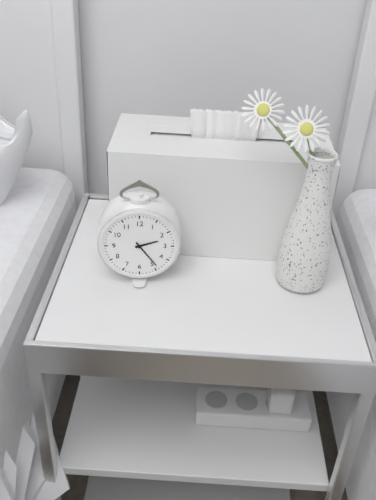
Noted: **2:24**
